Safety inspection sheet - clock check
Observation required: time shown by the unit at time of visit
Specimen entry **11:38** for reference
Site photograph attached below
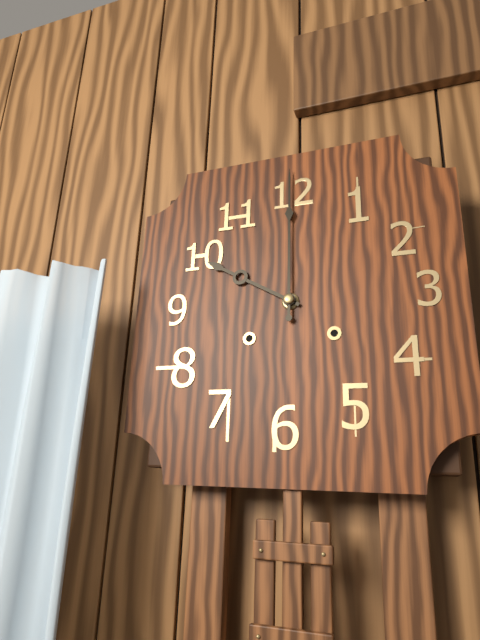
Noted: **10:00**
